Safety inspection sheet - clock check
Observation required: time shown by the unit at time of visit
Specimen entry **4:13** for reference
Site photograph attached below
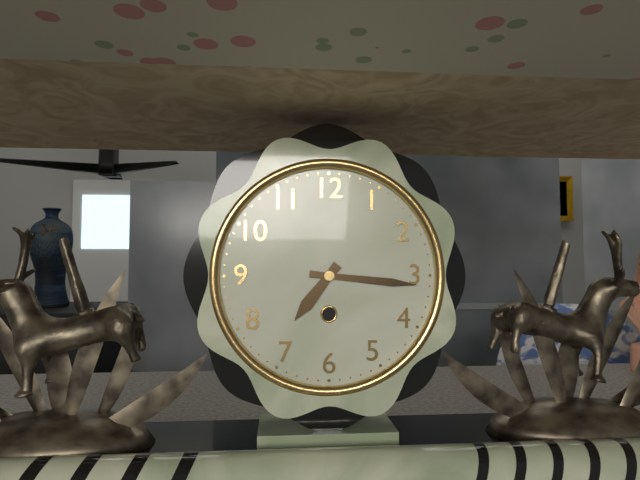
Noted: **7:16**
